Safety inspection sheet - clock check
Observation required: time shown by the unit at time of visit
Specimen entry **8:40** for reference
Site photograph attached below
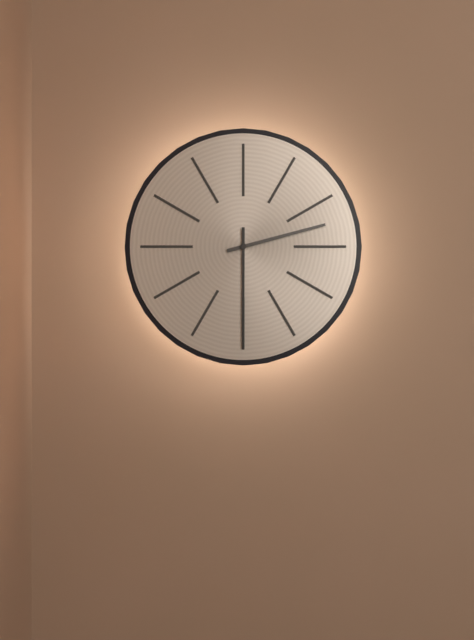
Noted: **2:30**
